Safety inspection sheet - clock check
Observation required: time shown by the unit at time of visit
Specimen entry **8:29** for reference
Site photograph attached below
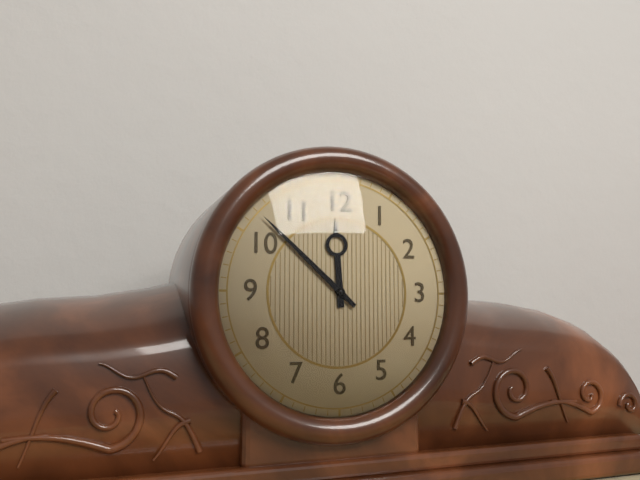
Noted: **11:52**
